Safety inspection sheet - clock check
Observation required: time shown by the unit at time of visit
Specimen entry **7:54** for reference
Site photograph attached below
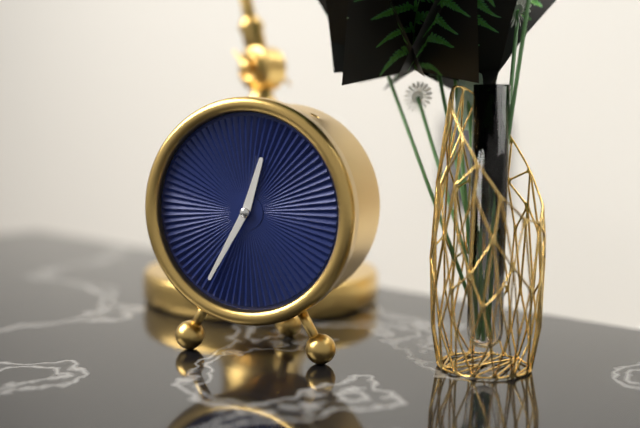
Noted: **12:35**
